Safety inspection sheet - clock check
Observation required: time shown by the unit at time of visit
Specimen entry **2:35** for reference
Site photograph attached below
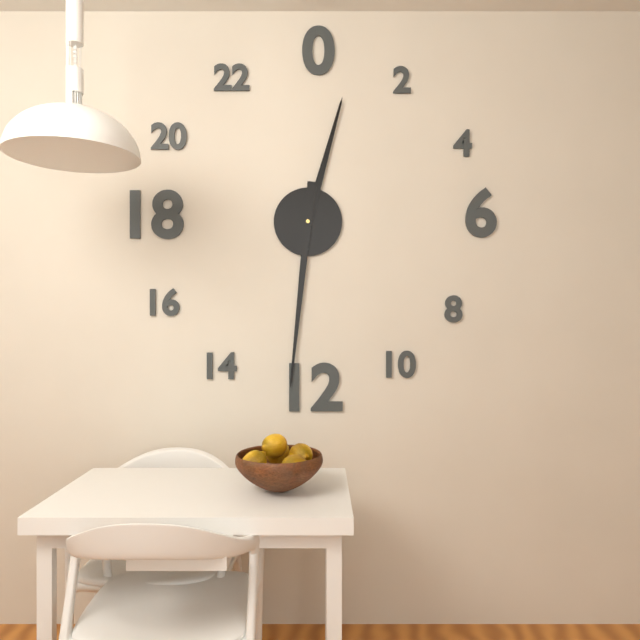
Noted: **12:31**
